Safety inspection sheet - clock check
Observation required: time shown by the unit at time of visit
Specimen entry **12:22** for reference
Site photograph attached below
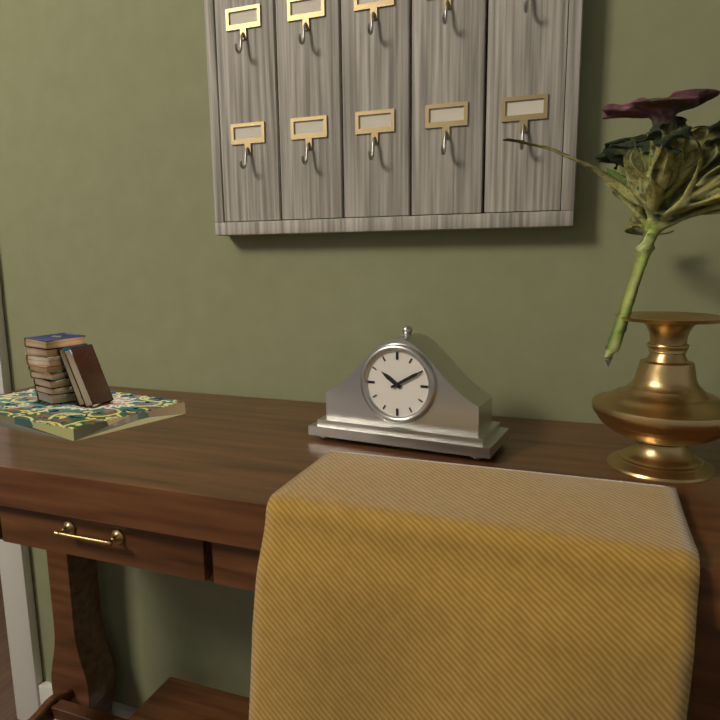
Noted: **10:10**
